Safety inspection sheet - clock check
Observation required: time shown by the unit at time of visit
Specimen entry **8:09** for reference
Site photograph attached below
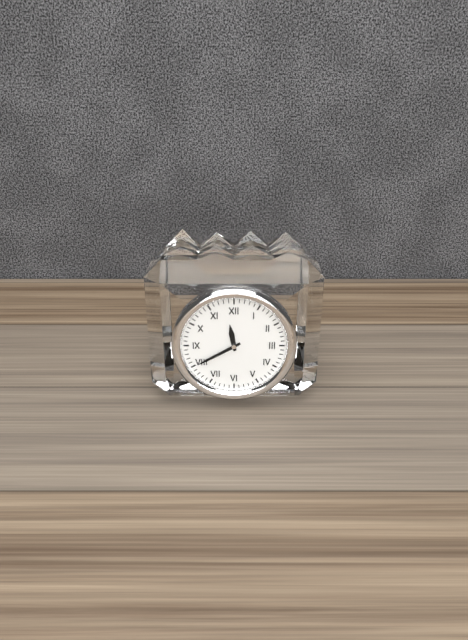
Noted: **11:40**
